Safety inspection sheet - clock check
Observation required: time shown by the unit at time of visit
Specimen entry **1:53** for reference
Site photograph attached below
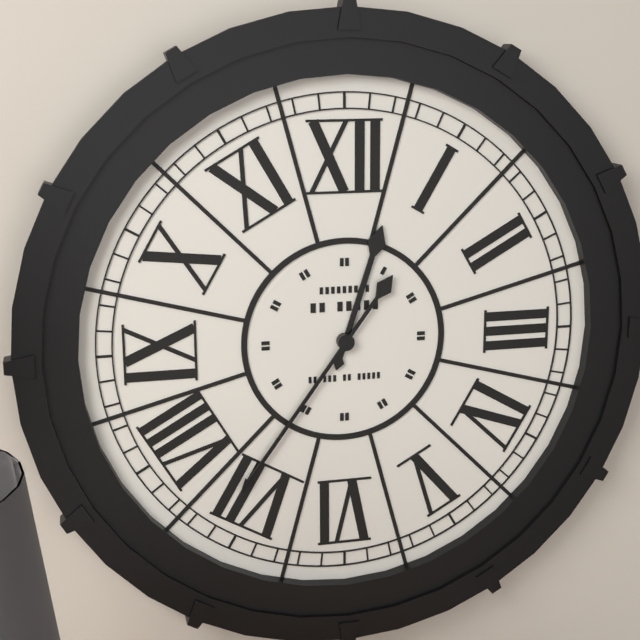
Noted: **12:36**
